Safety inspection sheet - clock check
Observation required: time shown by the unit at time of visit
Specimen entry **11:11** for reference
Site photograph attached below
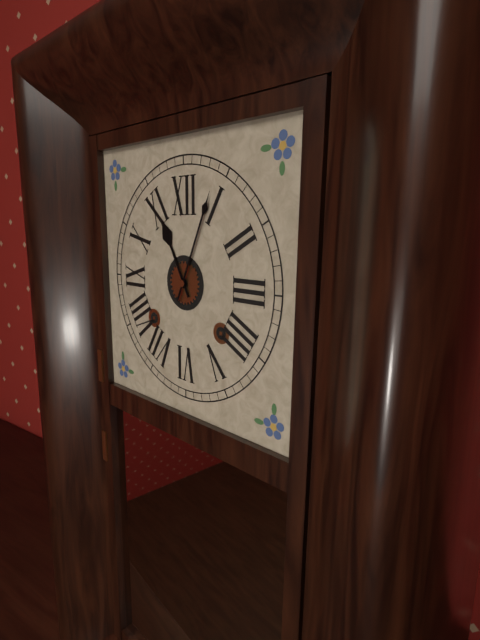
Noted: **11:04**
